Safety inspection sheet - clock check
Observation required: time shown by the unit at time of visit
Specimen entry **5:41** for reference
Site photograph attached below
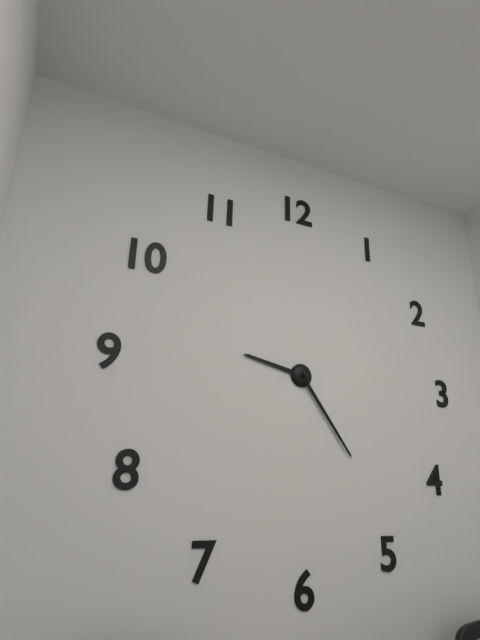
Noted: **9:24**
